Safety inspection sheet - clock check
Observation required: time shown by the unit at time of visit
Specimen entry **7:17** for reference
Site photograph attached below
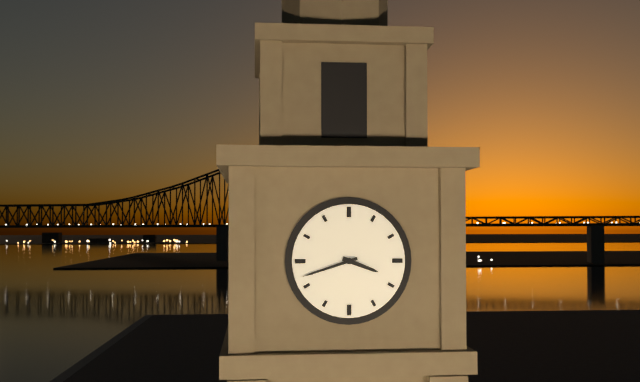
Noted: **3:42**
